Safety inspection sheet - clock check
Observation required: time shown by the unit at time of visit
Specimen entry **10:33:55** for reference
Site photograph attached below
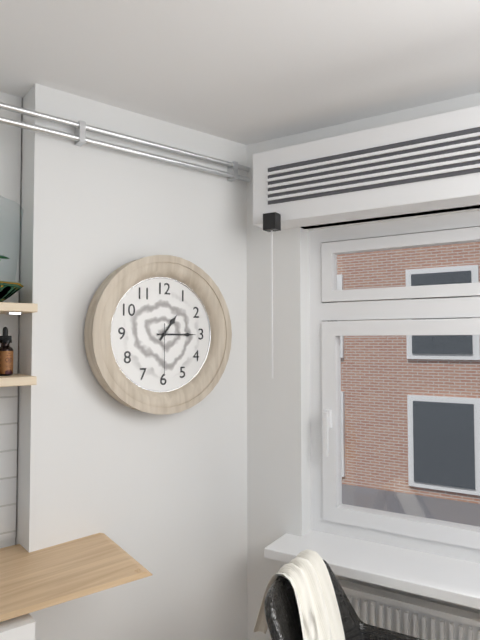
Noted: **1:15:30**
